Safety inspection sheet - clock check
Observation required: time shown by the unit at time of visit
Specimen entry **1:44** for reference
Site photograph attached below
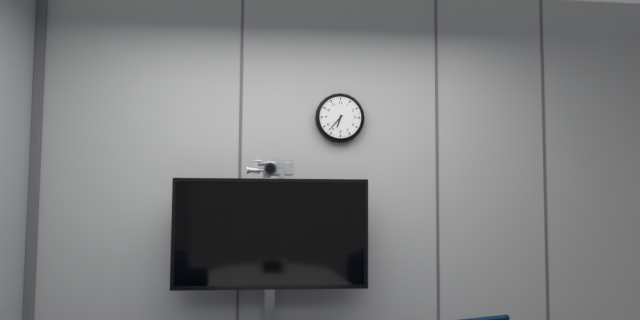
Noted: **6:37**
